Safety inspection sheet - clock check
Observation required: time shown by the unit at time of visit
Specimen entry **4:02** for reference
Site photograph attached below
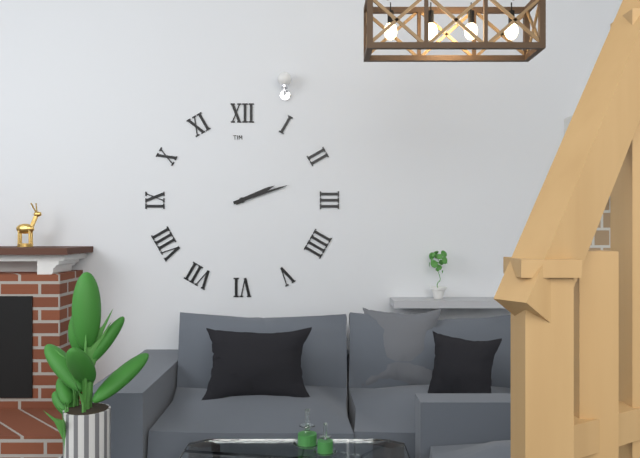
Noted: **2:12**
